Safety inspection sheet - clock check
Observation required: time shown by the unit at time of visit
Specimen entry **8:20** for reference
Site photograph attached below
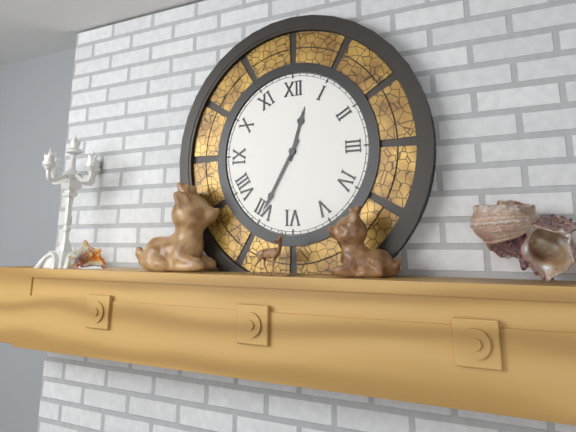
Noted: **12:35**
